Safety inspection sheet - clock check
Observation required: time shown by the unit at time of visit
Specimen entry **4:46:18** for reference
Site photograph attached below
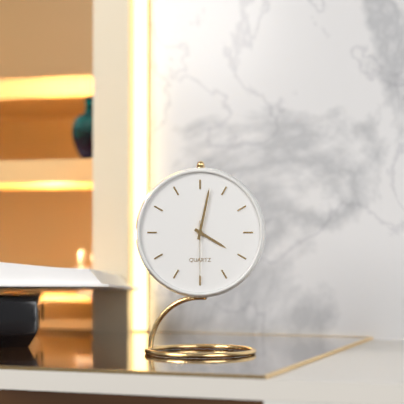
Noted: **4:02:30**
